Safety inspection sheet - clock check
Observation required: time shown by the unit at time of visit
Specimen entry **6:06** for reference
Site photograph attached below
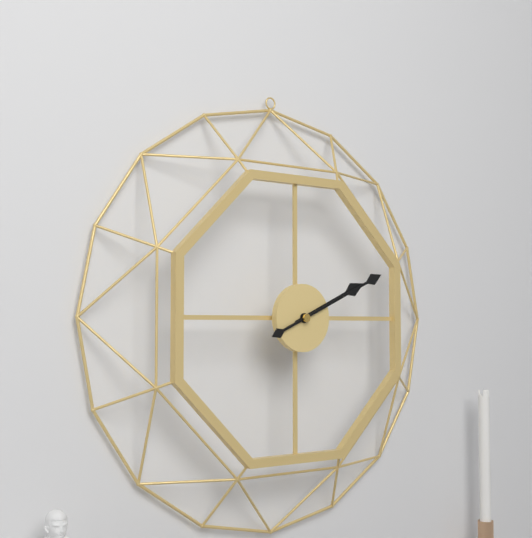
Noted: **2:11**
